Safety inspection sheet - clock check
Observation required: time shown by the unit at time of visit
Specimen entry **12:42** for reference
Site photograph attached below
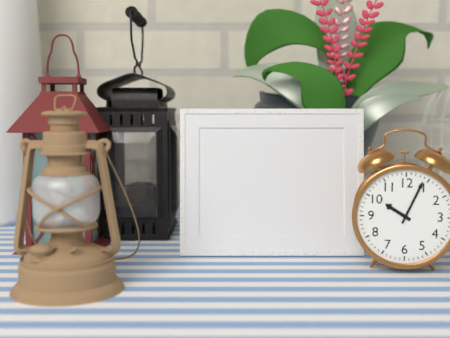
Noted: **10:04**
